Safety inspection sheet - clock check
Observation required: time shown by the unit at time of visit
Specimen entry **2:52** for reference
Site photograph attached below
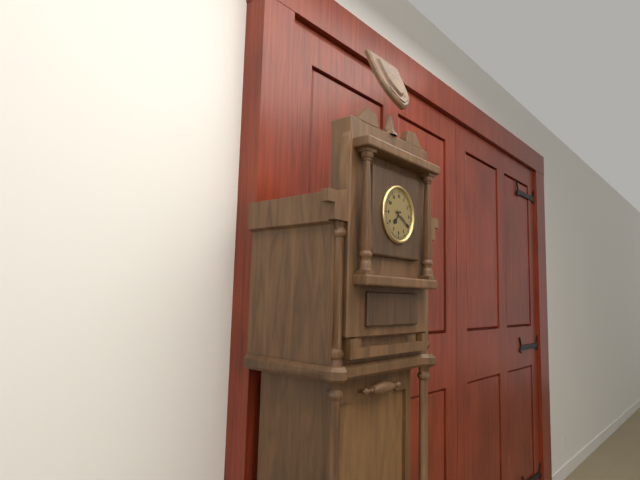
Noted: **7:20**
